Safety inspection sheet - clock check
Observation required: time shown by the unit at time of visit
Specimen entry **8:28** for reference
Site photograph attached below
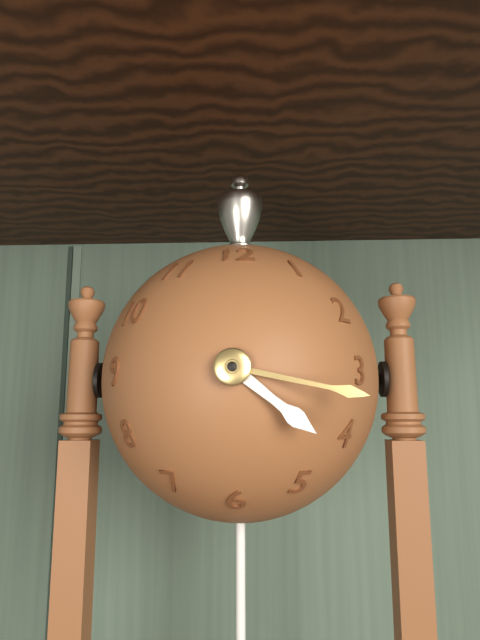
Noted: **4:17**
